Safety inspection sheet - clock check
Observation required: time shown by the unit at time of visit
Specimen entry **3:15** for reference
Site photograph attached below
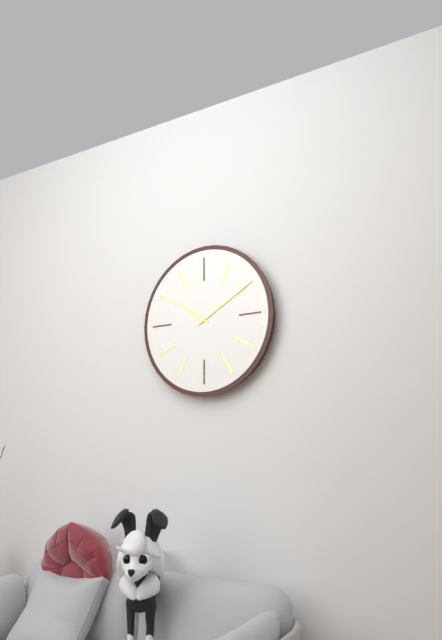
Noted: **10:10**
